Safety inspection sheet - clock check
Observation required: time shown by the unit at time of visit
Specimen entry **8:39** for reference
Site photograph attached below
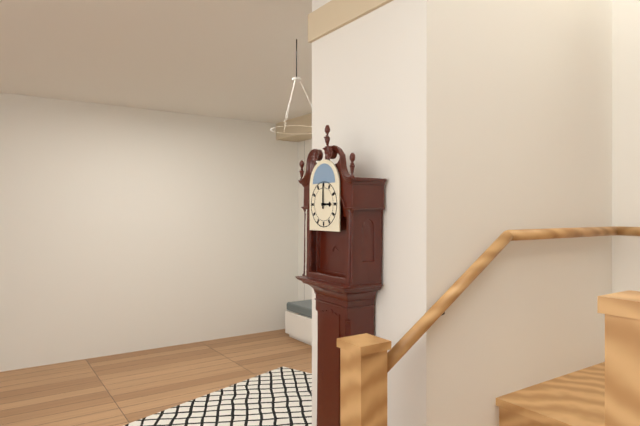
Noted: **3:00**
